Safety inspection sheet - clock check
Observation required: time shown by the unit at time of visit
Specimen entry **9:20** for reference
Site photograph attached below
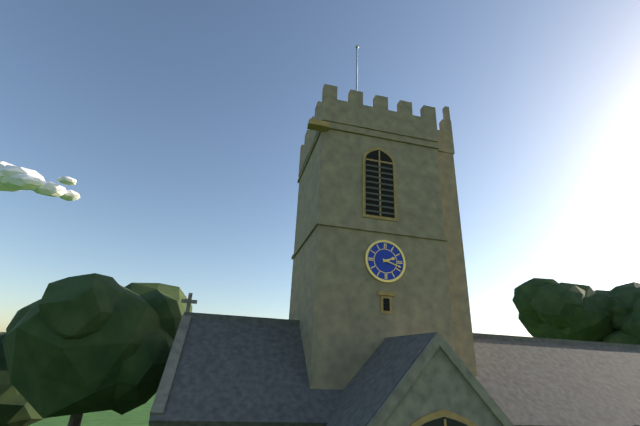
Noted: **2:18**
